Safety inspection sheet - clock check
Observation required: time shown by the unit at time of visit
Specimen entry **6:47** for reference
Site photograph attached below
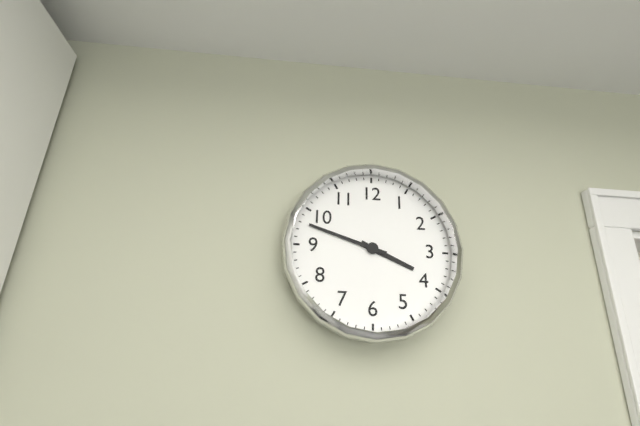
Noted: **3:48**
